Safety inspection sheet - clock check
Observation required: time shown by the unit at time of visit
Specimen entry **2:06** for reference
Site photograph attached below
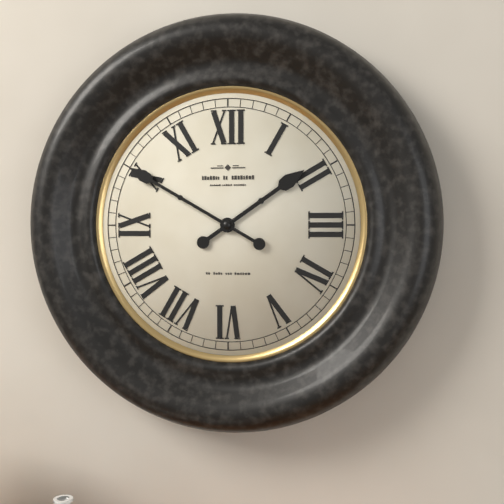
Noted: **1:50**
